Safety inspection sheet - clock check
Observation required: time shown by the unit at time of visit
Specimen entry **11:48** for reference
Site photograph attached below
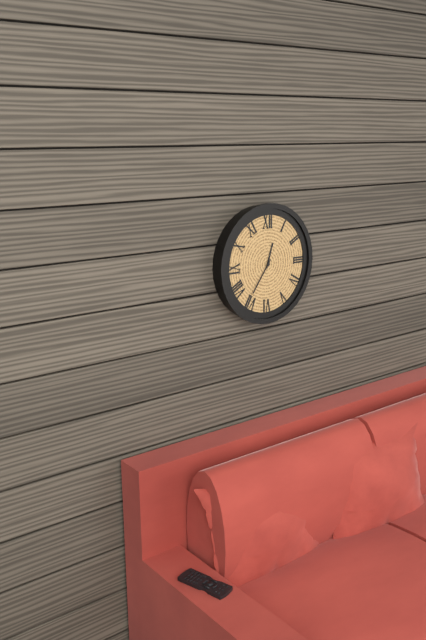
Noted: **12:36**
